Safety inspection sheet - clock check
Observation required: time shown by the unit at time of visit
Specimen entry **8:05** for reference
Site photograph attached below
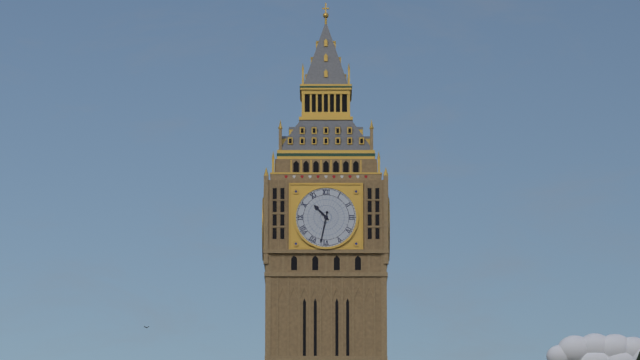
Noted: **10:32**
